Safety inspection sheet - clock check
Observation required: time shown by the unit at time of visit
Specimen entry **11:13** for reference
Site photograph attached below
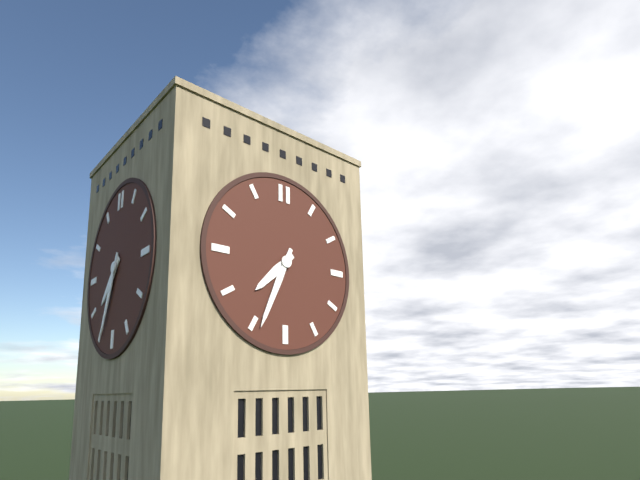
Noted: **7:34**
